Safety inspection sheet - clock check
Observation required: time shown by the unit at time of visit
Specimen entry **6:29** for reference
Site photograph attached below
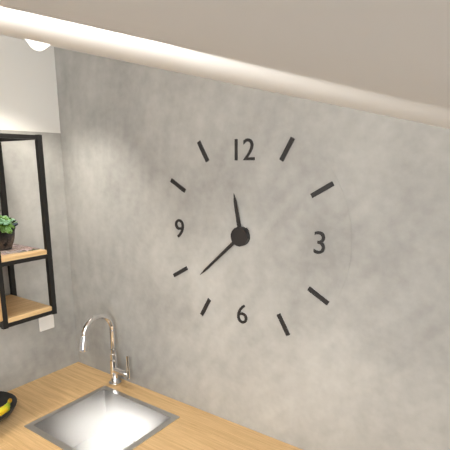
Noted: **11:38**
